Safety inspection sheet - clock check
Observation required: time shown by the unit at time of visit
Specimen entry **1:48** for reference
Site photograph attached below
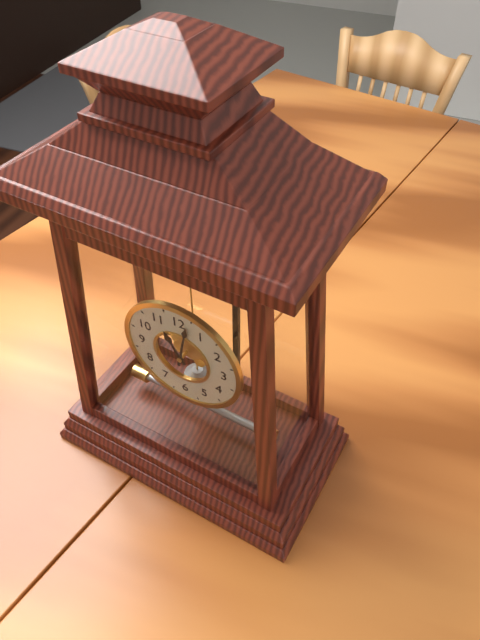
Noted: **11:02**
